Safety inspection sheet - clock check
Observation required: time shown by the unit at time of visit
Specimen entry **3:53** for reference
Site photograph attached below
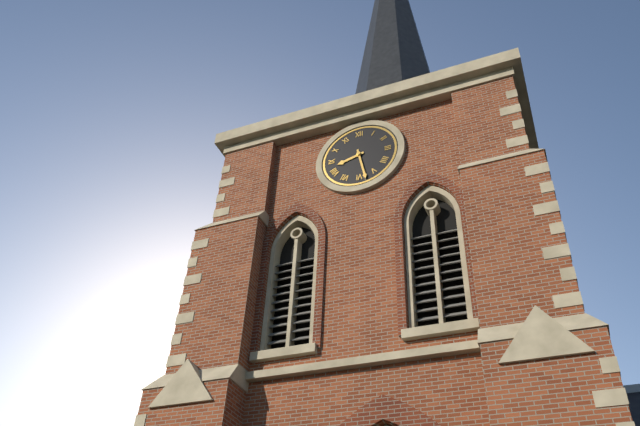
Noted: **8:28**
